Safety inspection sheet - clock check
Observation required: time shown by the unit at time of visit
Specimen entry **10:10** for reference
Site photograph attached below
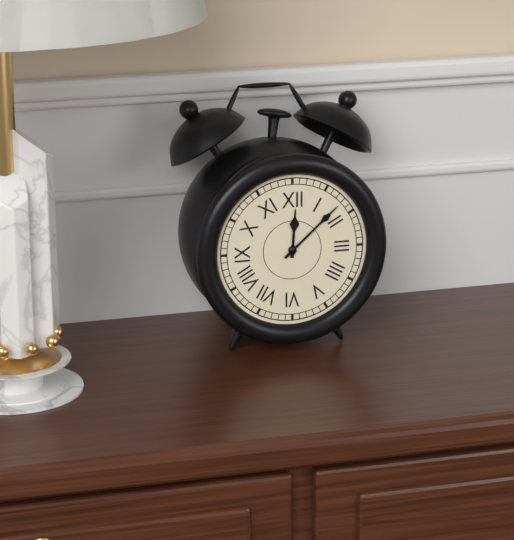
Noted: **12:08**
